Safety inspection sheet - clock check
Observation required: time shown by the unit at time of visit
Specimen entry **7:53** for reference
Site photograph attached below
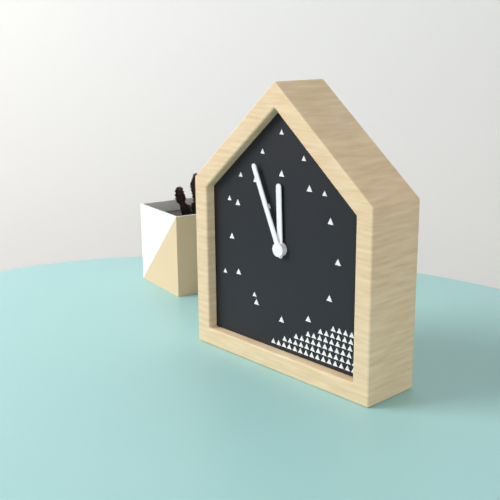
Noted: **11:56**
